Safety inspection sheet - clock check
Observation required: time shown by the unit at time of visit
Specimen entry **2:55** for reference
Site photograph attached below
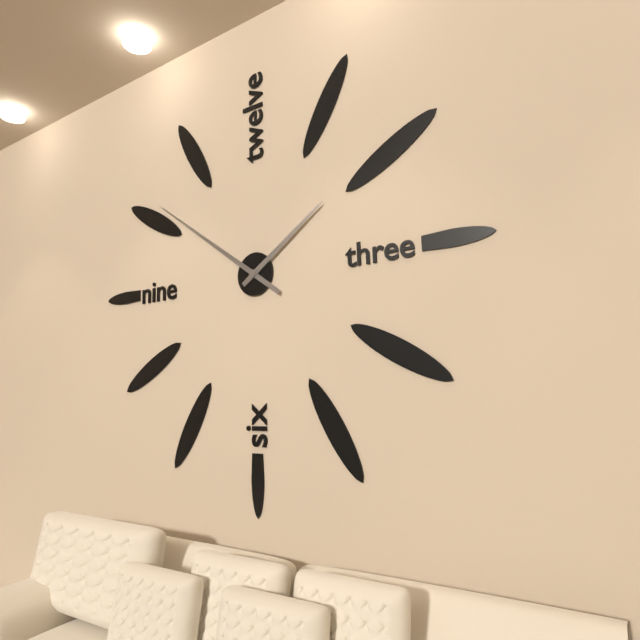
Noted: **1:51**
